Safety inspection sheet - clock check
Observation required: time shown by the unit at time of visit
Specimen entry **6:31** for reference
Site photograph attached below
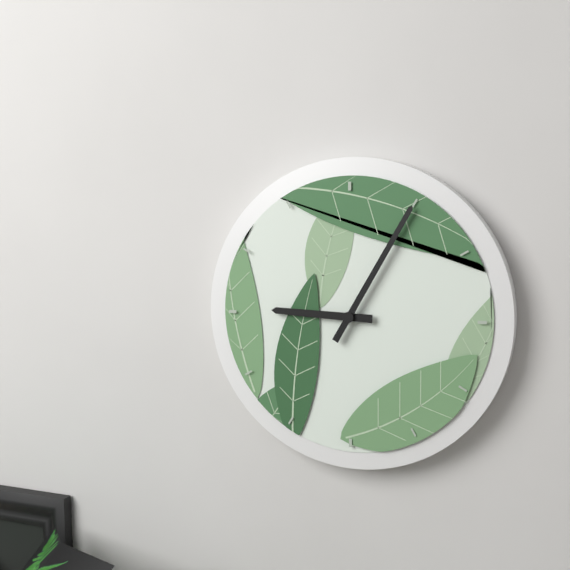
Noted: **9:05**
